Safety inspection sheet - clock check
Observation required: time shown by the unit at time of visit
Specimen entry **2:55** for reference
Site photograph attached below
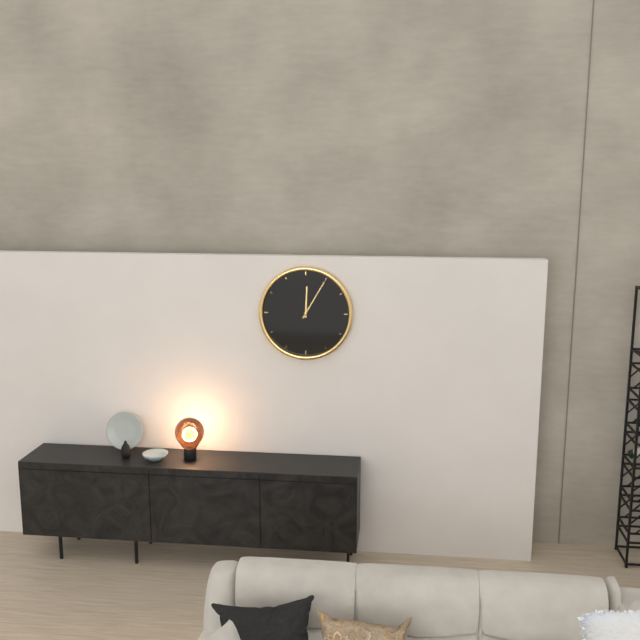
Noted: **12:05**
